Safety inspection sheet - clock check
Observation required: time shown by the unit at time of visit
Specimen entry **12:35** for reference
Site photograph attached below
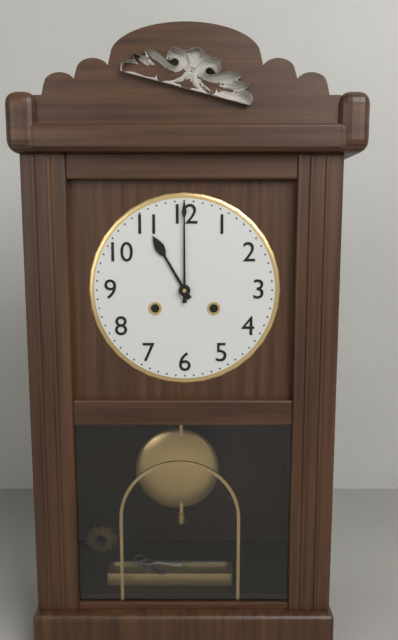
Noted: **11:00**
